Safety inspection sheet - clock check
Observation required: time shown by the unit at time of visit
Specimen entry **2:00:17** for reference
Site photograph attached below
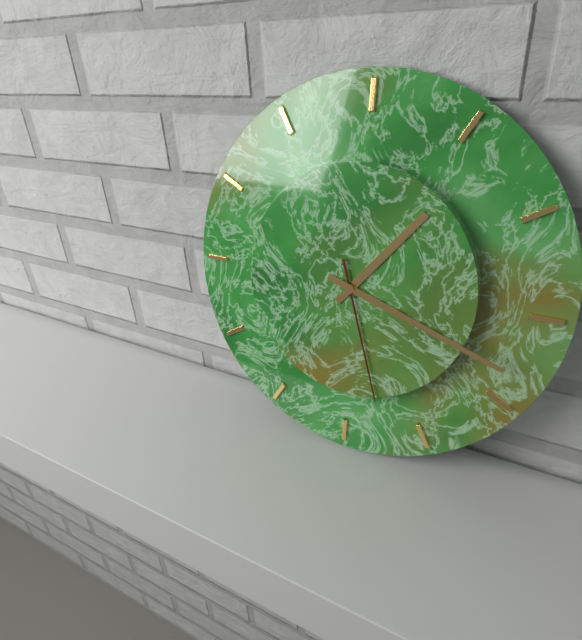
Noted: **1:18:27**
